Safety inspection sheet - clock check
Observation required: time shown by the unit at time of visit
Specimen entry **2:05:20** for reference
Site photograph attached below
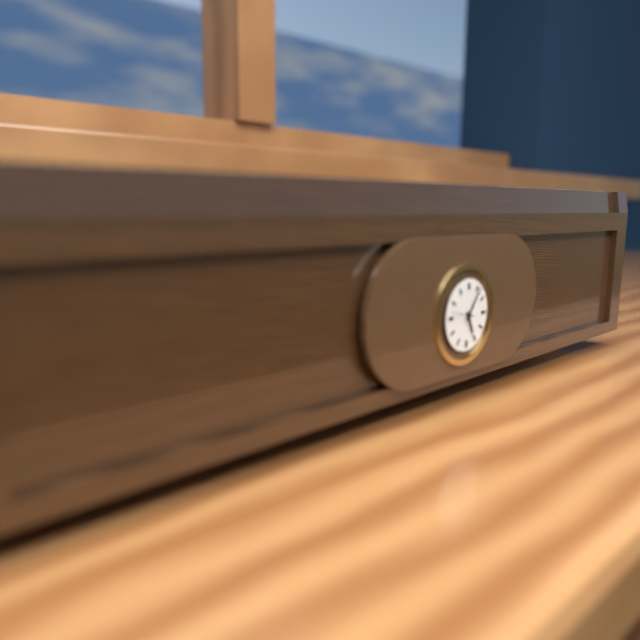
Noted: **5:06:47**
